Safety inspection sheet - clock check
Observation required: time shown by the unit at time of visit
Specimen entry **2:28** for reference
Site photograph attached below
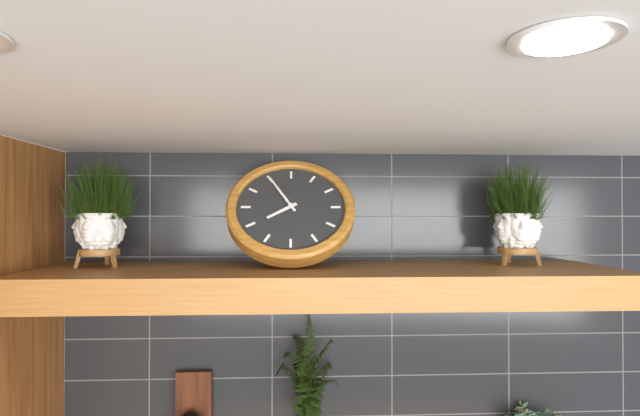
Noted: **7:55**
